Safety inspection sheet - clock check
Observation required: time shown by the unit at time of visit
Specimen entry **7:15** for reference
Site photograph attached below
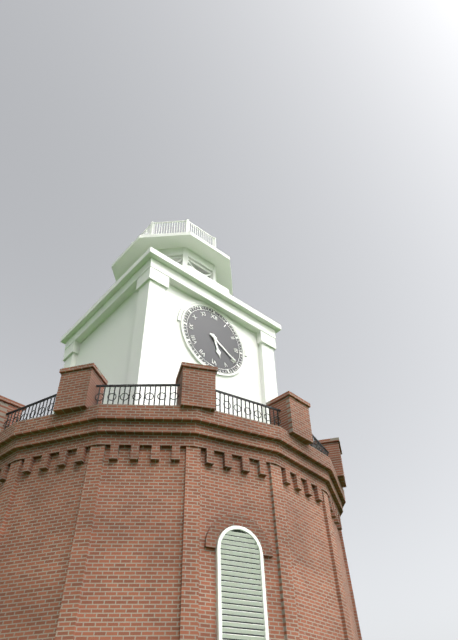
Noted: **5:20**
